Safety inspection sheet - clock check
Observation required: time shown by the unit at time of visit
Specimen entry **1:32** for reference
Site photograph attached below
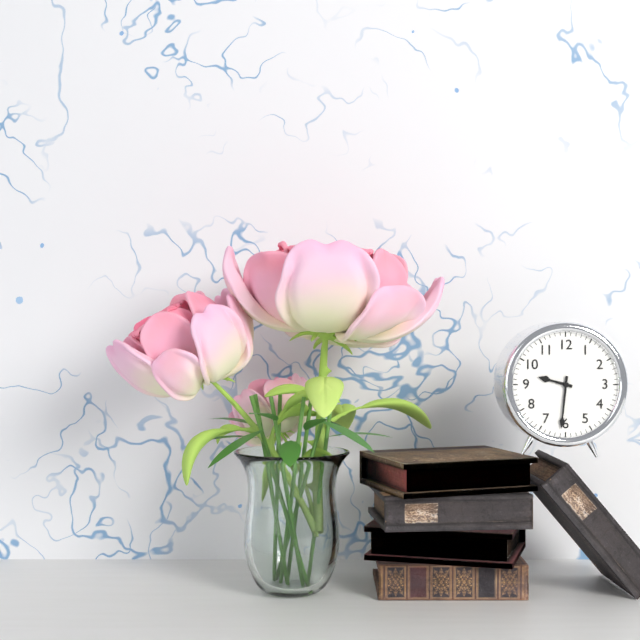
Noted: **9:31**
